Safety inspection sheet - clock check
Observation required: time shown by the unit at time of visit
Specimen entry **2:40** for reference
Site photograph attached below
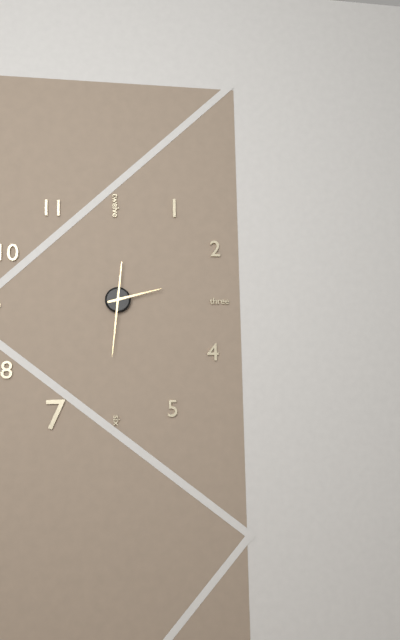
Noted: **2:31**
